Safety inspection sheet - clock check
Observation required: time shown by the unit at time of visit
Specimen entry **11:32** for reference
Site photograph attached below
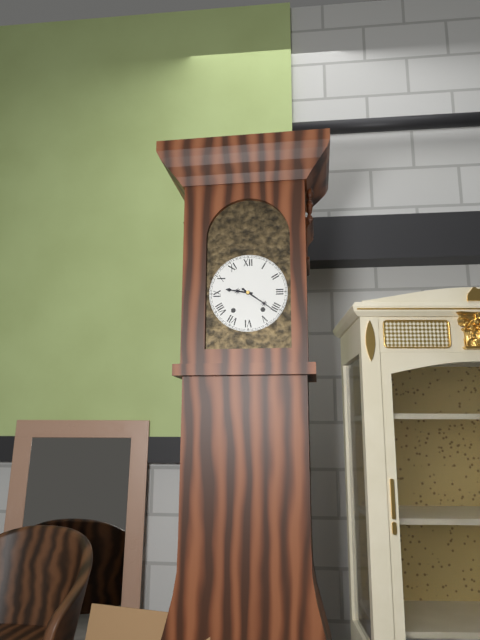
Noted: **9:21**
